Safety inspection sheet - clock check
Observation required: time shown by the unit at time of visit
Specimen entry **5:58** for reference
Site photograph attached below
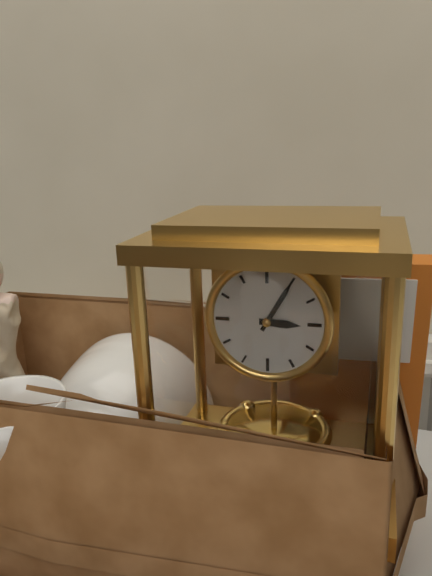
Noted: **3:05**
